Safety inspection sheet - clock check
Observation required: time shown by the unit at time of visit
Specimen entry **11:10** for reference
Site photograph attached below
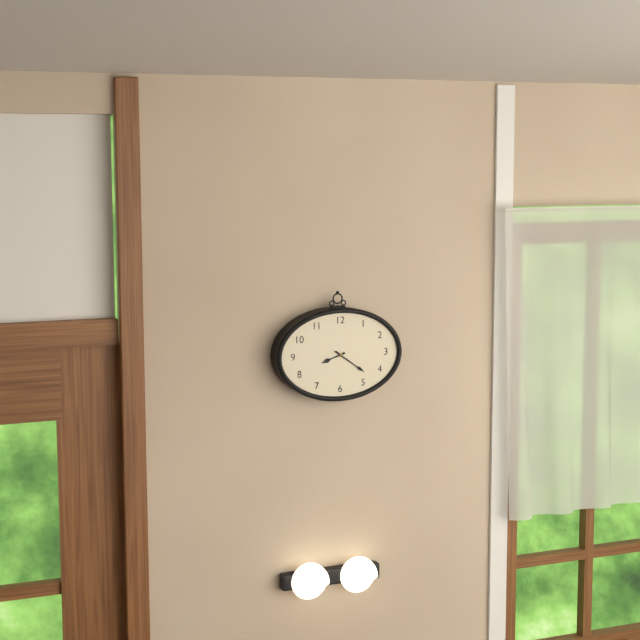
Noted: **8:21**
